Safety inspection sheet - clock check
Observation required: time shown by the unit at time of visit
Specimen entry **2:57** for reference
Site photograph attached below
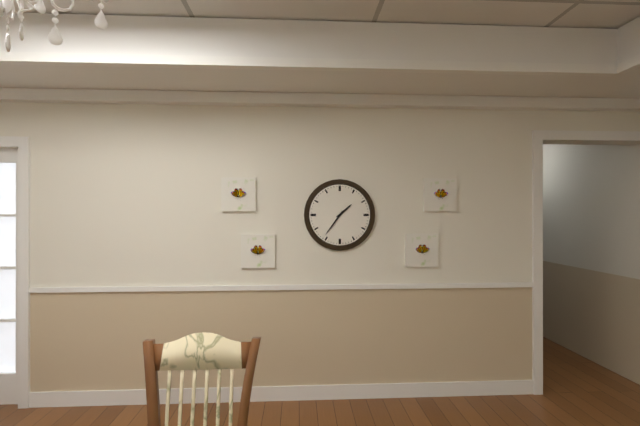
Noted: **1:36**
